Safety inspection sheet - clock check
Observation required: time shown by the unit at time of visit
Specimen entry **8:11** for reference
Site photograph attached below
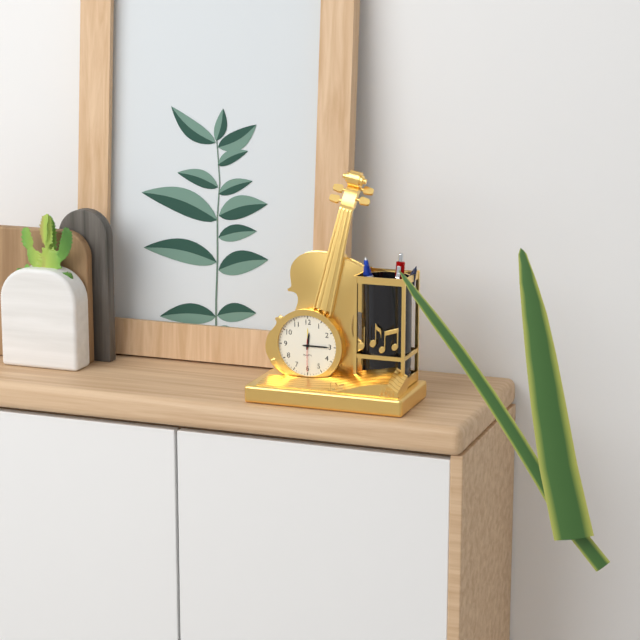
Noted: **12:15**
